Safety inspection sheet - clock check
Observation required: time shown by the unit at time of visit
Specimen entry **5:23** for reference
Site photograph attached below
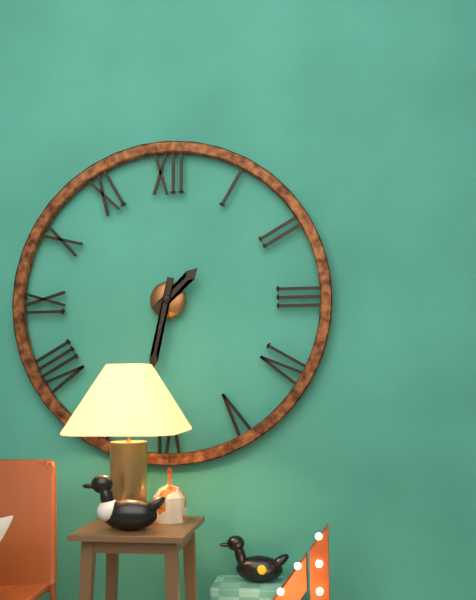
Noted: **1:32**
